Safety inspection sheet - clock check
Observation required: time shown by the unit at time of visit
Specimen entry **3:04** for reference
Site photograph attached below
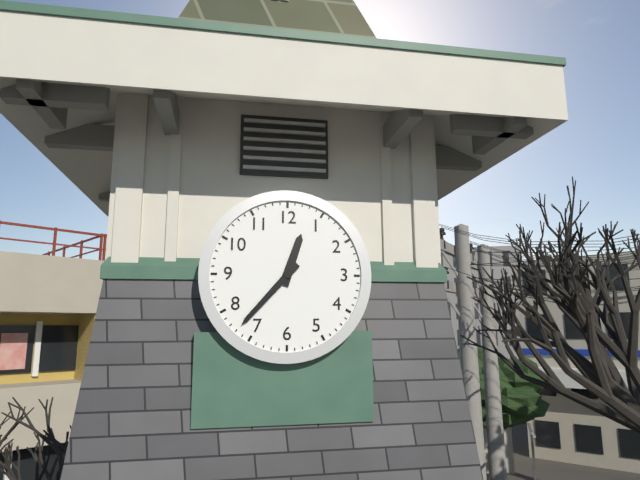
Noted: **12:37**
